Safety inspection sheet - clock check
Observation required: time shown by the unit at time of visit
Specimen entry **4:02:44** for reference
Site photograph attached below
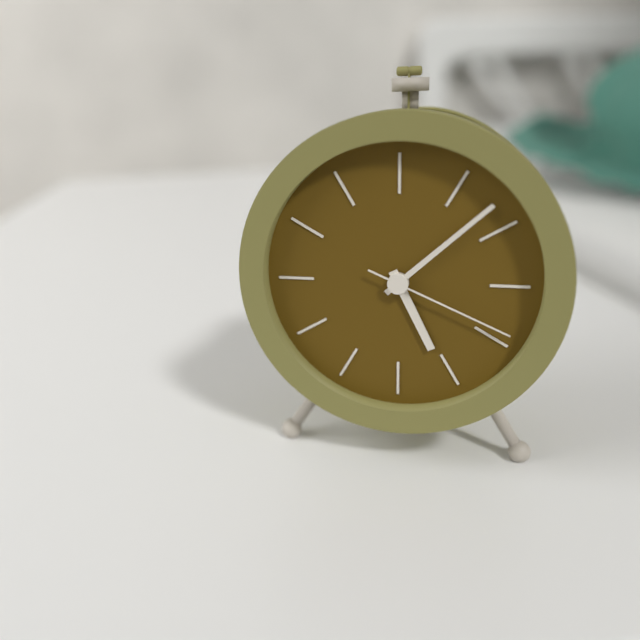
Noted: **5:08:19**
